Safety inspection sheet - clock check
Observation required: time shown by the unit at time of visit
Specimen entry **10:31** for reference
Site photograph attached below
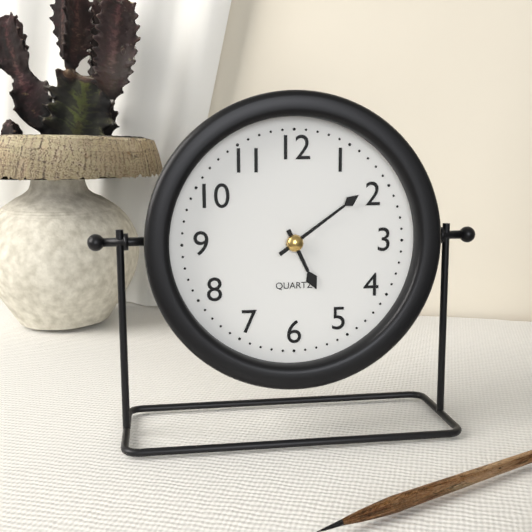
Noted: **5:09**
